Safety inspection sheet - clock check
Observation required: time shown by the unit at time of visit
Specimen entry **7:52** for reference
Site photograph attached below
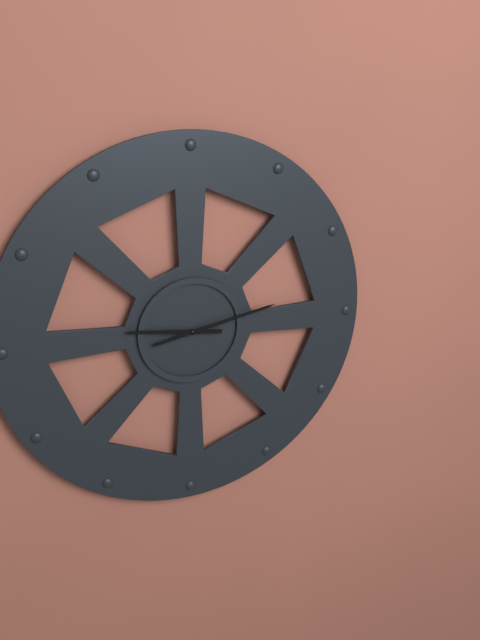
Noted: **9:13**
